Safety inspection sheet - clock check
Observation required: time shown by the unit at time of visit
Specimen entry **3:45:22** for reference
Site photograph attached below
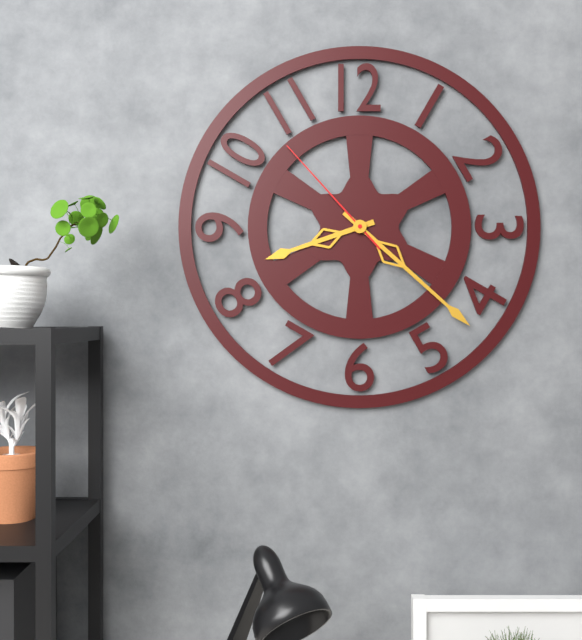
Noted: **8:22:53**
